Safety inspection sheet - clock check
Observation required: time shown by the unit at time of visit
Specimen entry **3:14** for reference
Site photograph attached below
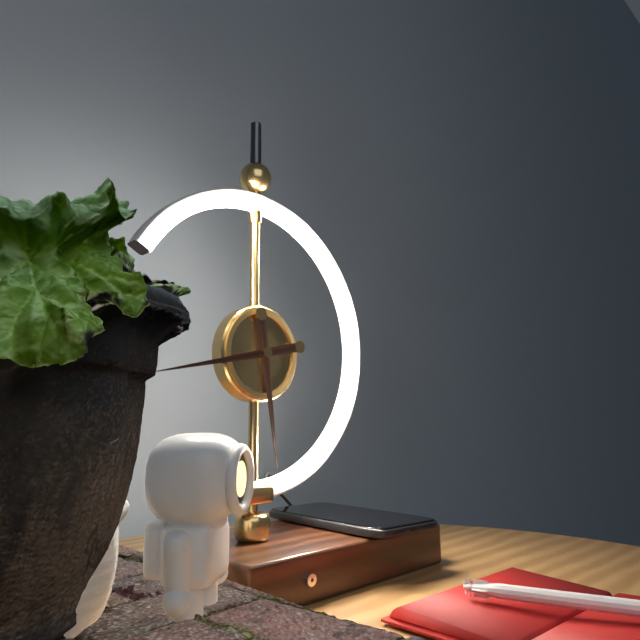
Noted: **5:43**
